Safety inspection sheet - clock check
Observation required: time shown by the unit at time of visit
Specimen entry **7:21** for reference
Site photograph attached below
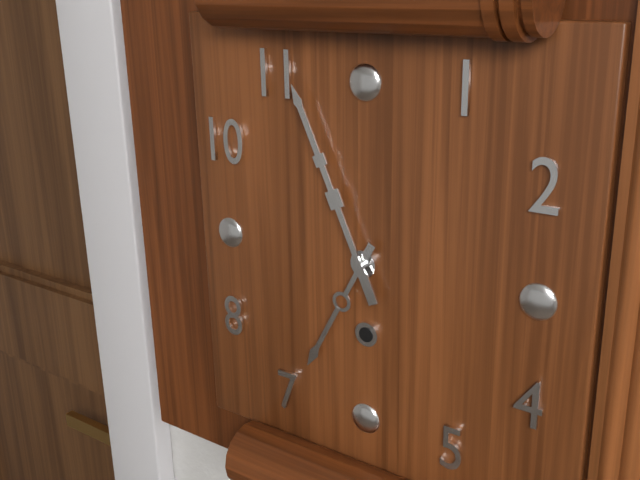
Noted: **6:56**
